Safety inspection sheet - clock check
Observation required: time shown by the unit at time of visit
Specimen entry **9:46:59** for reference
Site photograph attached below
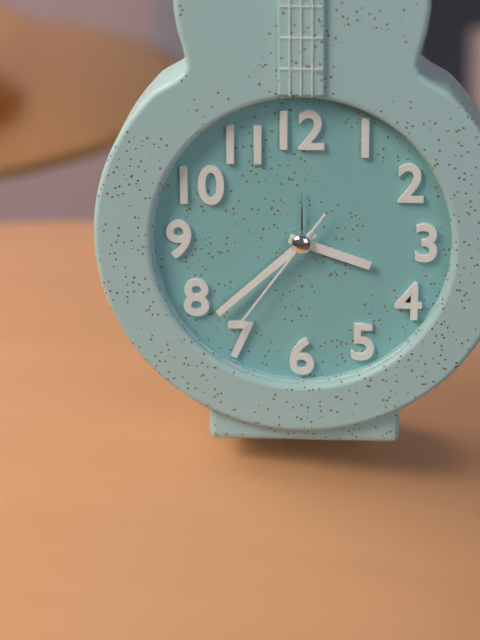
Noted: **3:38:36**
